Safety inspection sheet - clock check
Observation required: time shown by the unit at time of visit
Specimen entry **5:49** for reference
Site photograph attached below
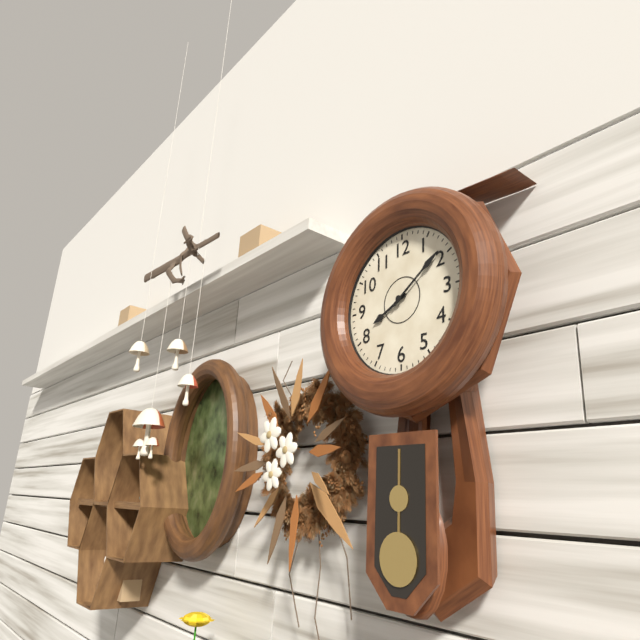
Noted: **8:09**
